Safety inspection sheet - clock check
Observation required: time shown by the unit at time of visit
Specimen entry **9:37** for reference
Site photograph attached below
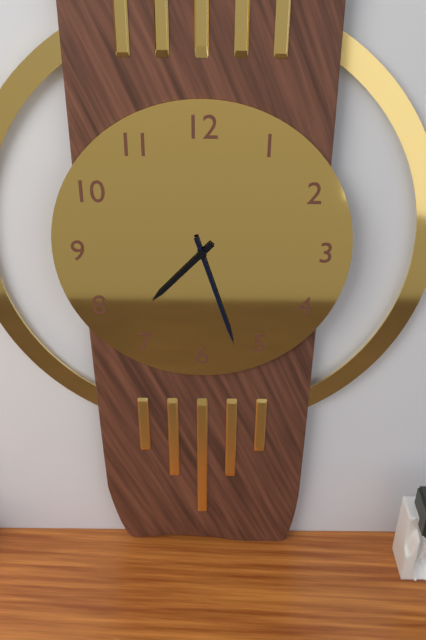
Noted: **7:27**
